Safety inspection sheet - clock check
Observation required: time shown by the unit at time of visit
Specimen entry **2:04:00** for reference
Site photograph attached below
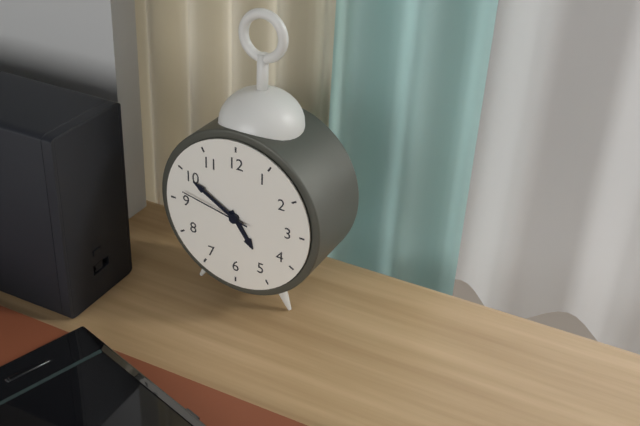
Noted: **4:50:47**
